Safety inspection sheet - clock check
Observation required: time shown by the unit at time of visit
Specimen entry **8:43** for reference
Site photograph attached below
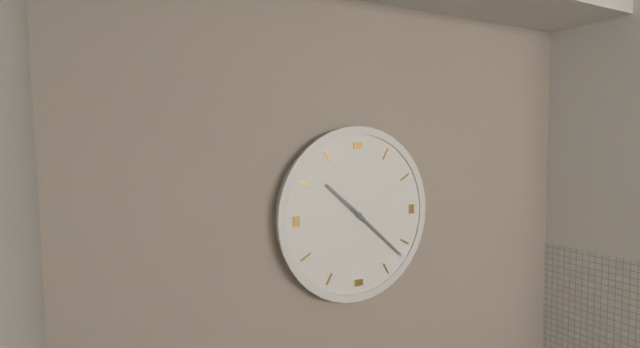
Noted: **10:22**
